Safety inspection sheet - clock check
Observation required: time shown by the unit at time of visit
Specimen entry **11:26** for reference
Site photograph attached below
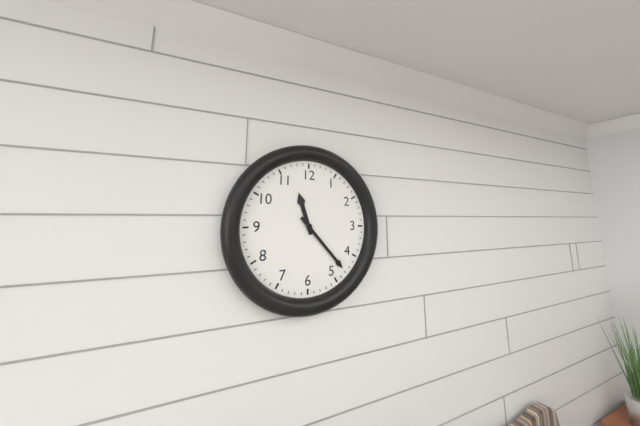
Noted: **11:23**
